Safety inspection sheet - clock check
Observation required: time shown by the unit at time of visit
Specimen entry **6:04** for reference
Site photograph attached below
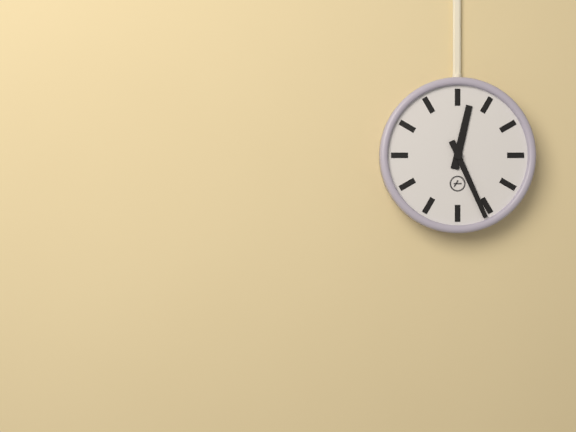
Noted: **12:26**
